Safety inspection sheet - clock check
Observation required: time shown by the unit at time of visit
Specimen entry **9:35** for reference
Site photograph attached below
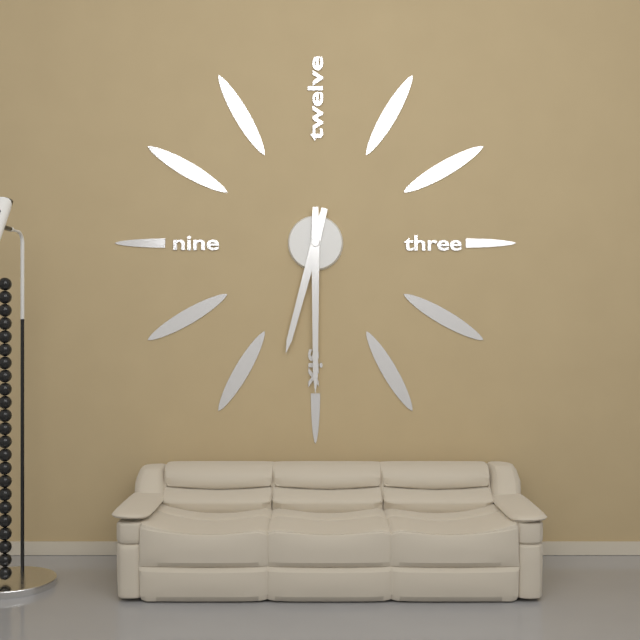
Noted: **6:30**
